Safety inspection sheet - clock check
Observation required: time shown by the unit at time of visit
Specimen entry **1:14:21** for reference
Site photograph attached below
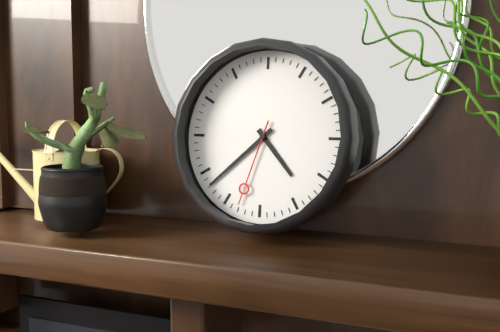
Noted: **4:38:33**
